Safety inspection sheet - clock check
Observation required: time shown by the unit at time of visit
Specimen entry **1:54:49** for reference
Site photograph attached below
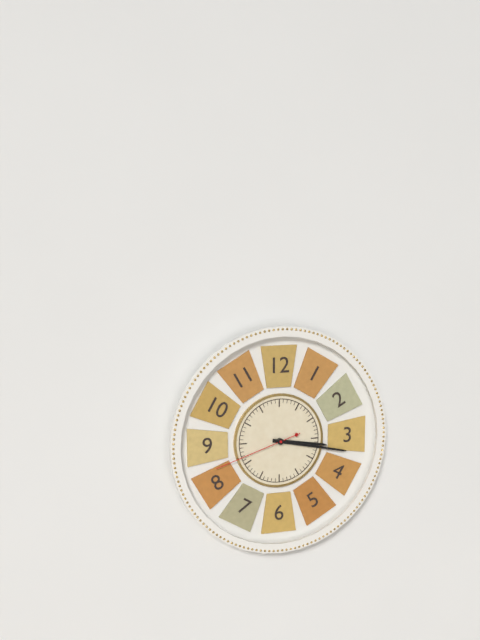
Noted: **3:17:42**
